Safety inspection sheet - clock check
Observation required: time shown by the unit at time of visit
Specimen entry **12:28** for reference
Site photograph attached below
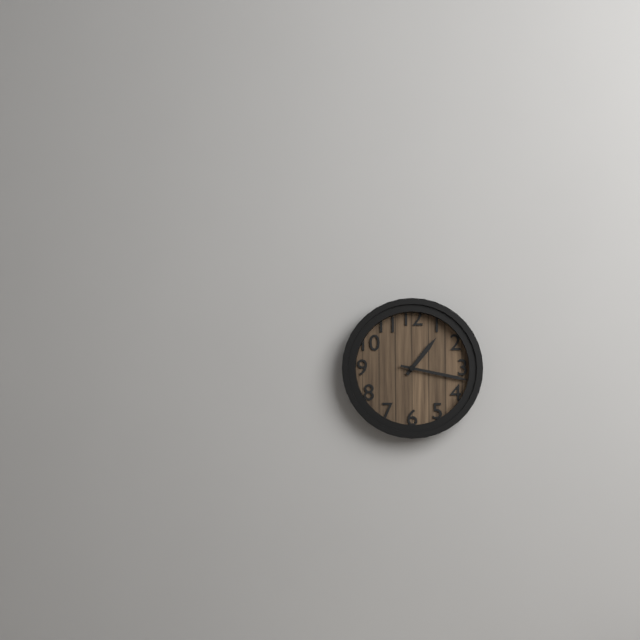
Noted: **1:17**
